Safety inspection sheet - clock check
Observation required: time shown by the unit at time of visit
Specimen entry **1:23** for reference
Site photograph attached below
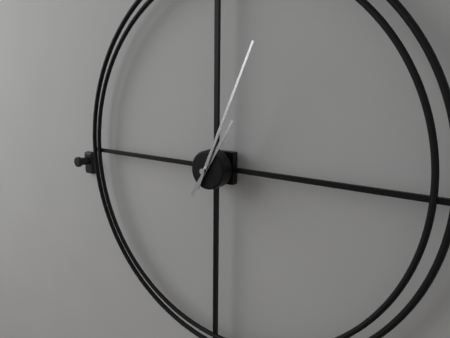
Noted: **1:04**
